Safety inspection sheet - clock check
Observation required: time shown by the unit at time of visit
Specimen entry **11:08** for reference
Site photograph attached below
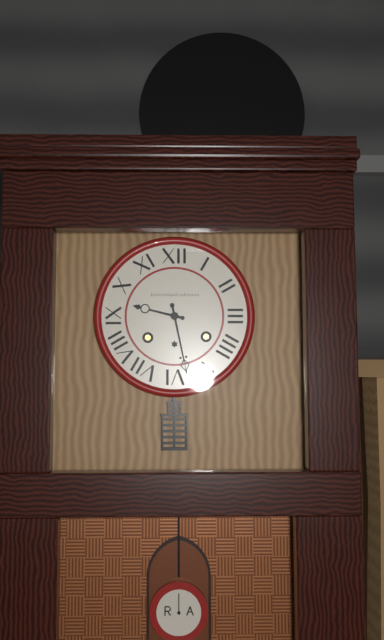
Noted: **9:28**
